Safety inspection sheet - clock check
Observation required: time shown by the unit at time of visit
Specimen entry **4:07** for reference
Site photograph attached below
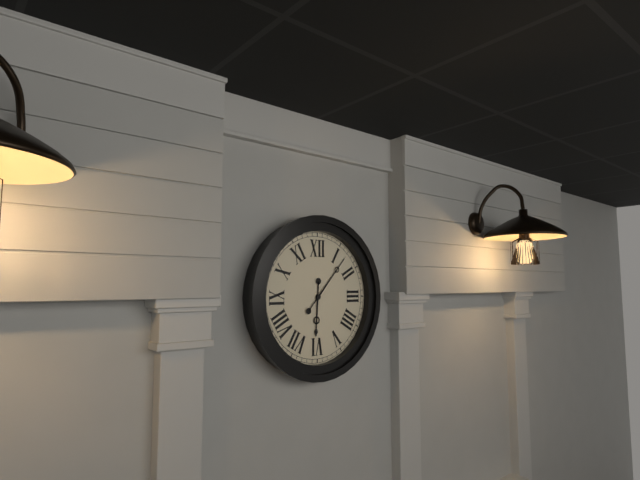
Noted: **6:07**
